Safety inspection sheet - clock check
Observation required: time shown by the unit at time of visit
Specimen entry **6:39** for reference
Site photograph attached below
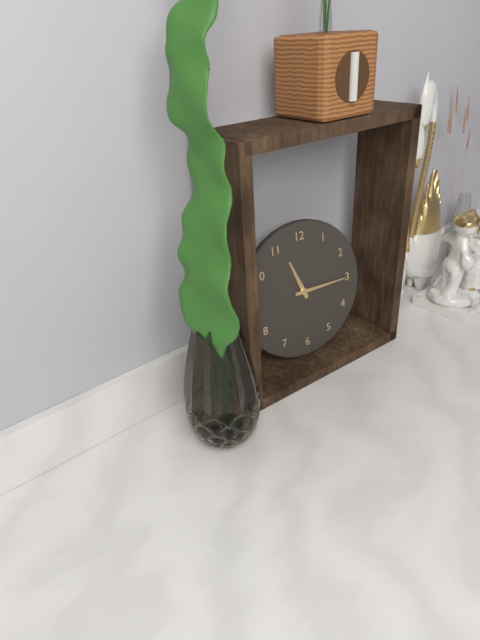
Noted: **11:15**
